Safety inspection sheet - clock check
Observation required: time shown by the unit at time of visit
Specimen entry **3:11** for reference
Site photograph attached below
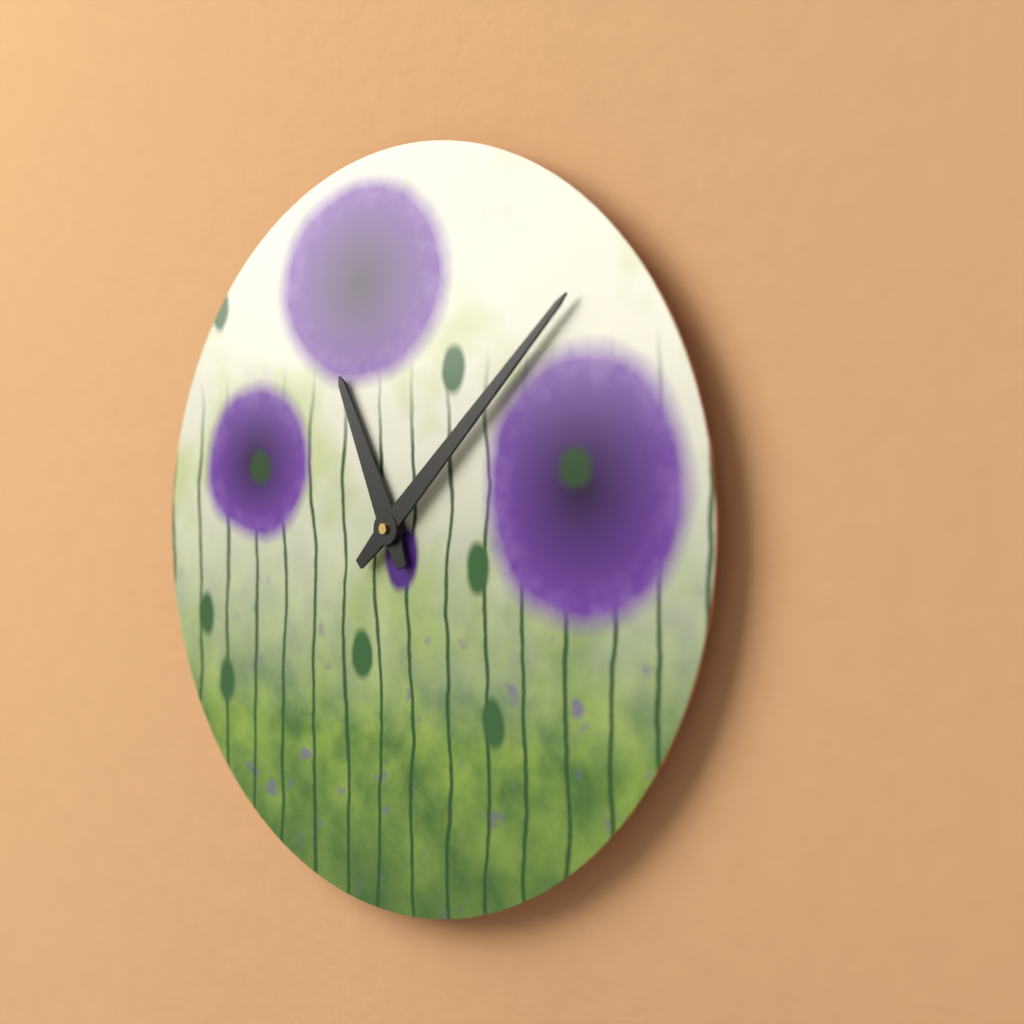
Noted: **11:08**
